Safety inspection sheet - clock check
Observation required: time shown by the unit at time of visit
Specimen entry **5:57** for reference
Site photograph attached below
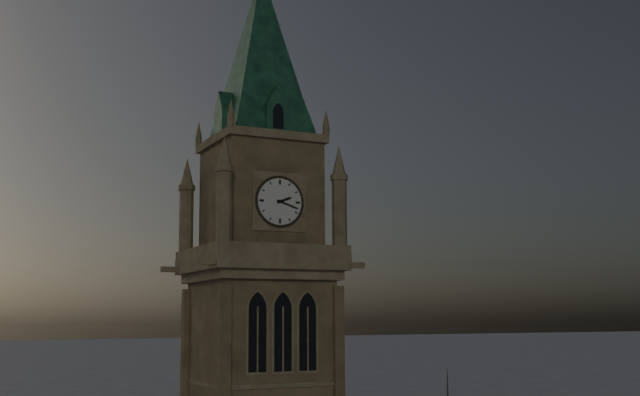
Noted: **2:18**
